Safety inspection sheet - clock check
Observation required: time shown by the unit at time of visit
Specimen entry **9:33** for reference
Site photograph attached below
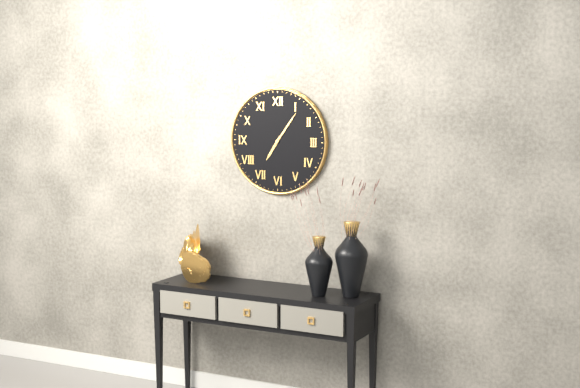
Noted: **7:06**
